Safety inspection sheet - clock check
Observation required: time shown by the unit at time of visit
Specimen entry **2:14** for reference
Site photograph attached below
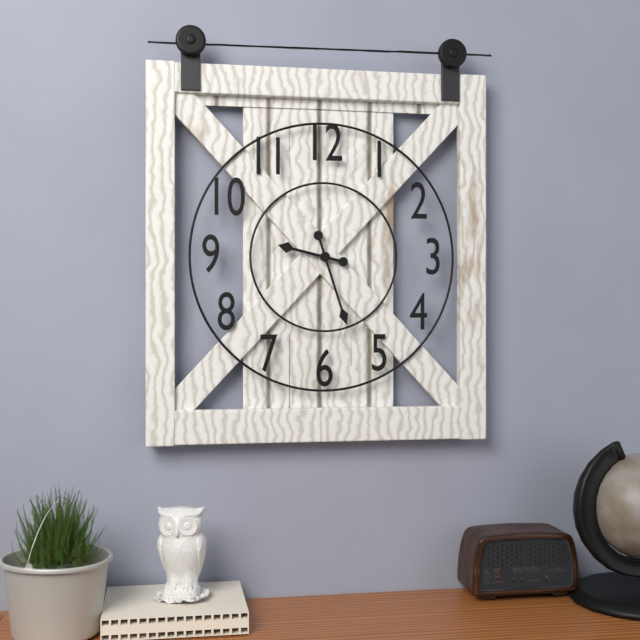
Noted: **9:27**
